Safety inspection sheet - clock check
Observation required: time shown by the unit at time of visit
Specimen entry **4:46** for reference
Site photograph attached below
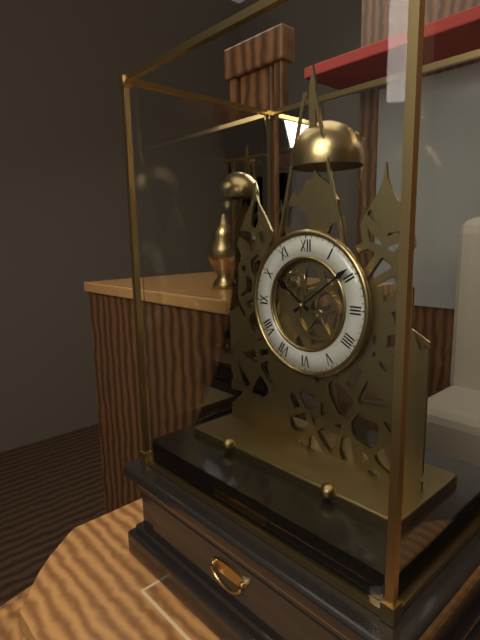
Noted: **10:09**
